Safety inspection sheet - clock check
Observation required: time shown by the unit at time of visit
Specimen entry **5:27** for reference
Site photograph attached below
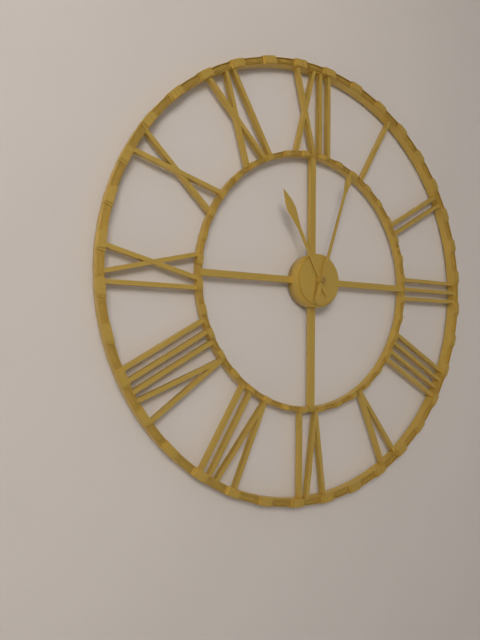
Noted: **11:03**
